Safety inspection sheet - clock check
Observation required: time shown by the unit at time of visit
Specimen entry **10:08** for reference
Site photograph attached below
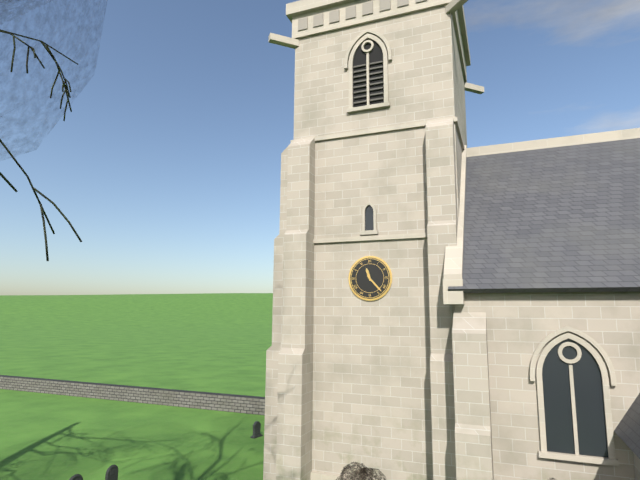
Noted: **11:23**
